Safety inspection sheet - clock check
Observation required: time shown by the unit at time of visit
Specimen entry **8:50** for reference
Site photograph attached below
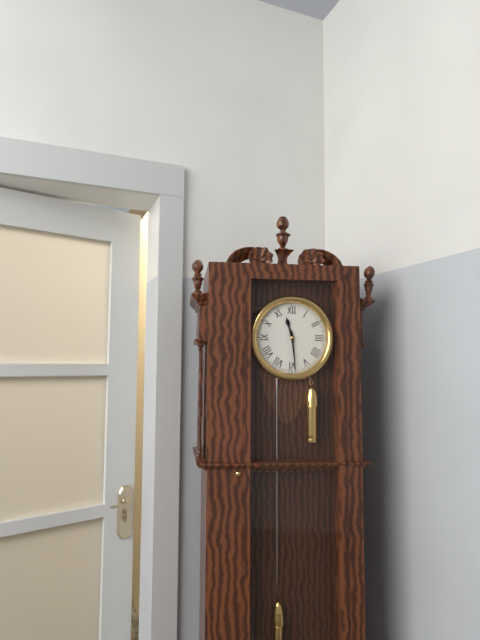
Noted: **11:29**
